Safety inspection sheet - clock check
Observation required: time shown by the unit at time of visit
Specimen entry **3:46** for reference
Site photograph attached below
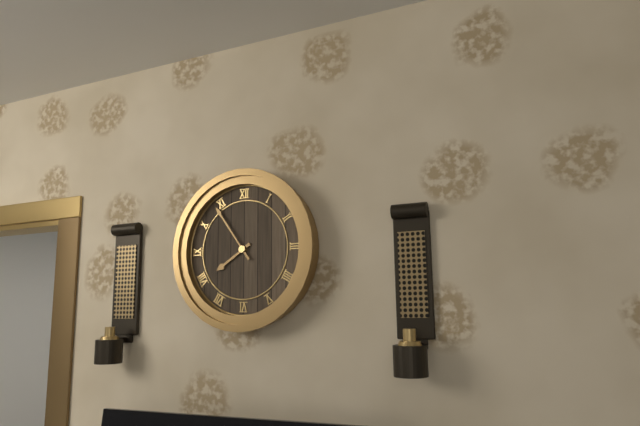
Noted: **7:54**
